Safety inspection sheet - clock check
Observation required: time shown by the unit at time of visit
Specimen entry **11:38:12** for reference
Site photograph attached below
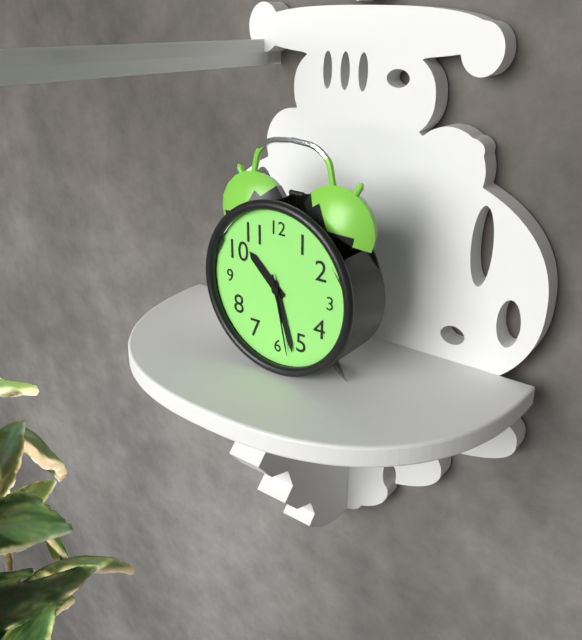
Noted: **10:27:28**
